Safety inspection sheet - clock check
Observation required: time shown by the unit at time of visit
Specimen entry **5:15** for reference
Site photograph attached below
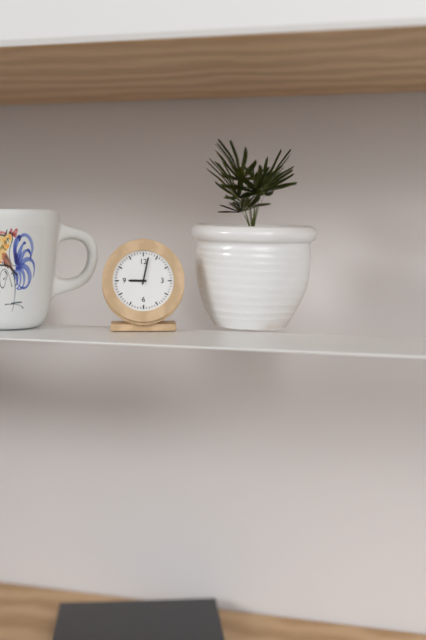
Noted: **9:02**
